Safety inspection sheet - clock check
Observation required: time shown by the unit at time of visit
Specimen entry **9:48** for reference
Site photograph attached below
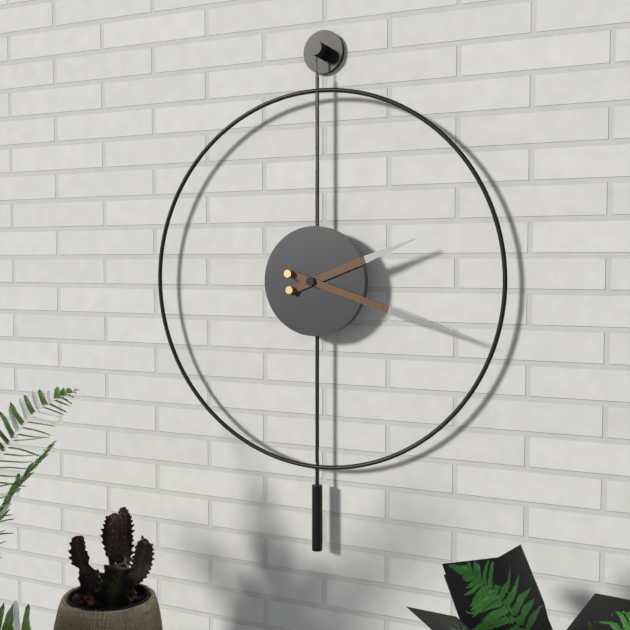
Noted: **2:18**
